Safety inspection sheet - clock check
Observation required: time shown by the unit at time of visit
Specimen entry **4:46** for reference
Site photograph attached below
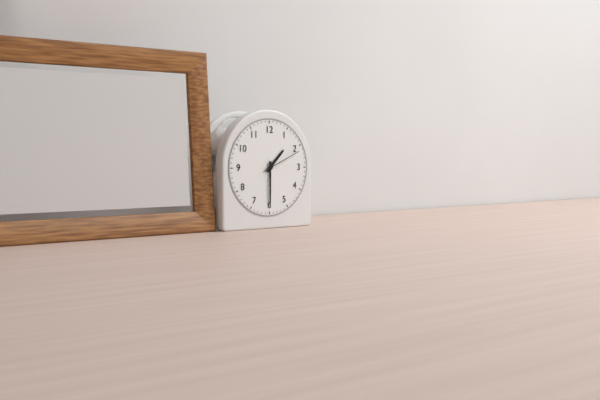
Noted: **1:30**
